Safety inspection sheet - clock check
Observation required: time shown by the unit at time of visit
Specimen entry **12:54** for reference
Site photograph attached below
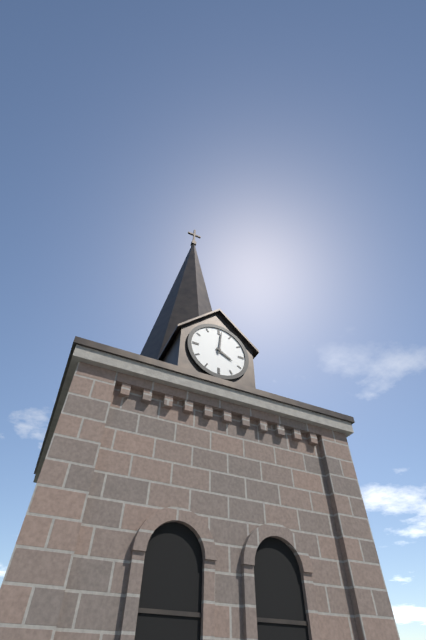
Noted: **4:01**
